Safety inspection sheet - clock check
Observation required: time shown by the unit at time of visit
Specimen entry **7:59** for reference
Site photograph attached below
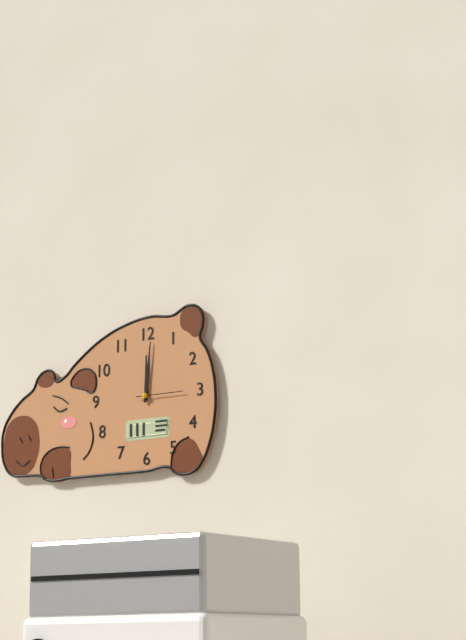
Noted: **12:01**
